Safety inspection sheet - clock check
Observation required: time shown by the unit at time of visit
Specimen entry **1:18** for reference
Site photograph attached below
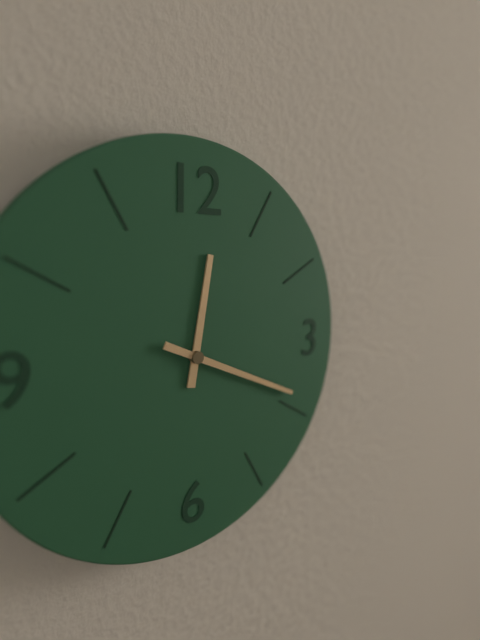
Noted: **12:19**
